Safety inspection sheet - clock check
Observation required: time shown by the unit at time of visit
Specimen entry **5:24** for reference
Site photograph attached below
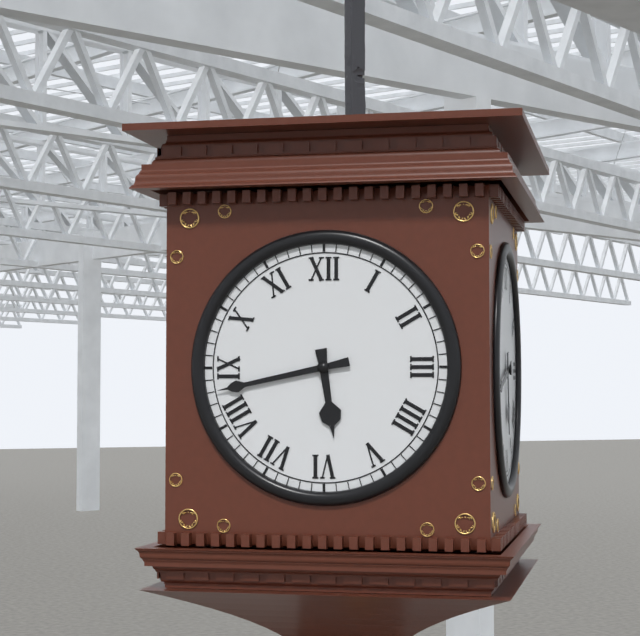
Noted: **5:43**
